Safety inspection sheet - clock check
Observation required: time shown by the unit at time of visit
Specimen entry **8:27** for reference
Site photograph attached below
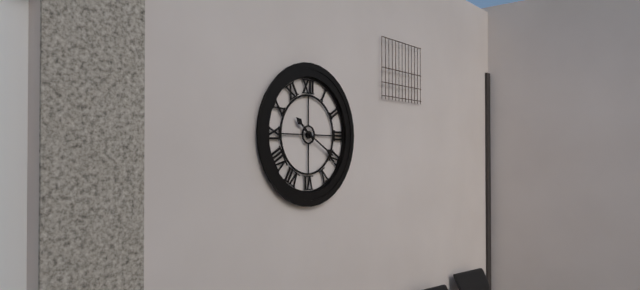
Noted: **10:20**
